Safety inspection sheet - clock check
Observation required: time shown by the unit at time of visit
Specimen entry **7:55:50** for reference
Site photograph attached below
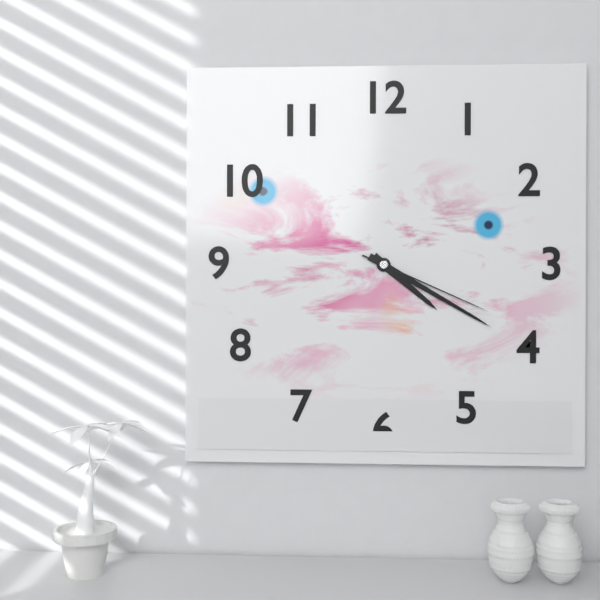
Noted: **4:20:19**
